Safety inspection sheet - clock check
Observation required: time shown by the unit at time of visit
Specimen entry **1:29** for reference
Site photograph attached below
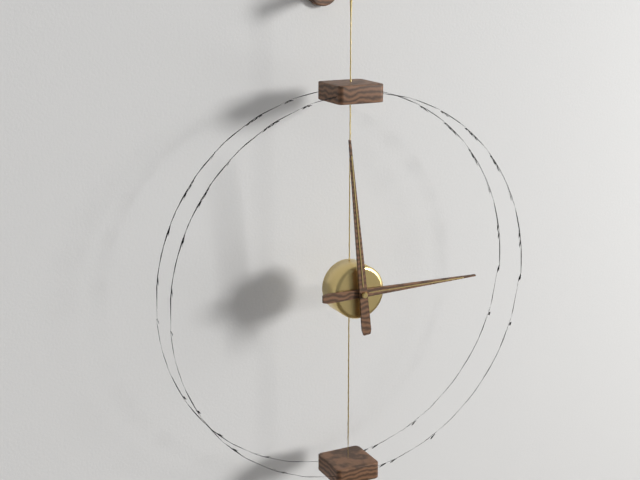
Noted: **2:59**
